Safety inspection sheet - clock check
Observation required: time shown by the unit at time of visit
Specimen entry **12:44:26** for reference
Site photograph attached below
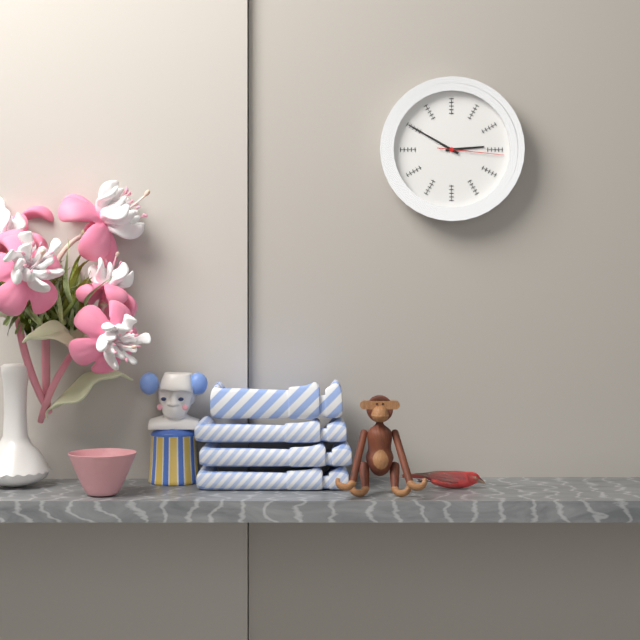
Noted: **2:50:16**
